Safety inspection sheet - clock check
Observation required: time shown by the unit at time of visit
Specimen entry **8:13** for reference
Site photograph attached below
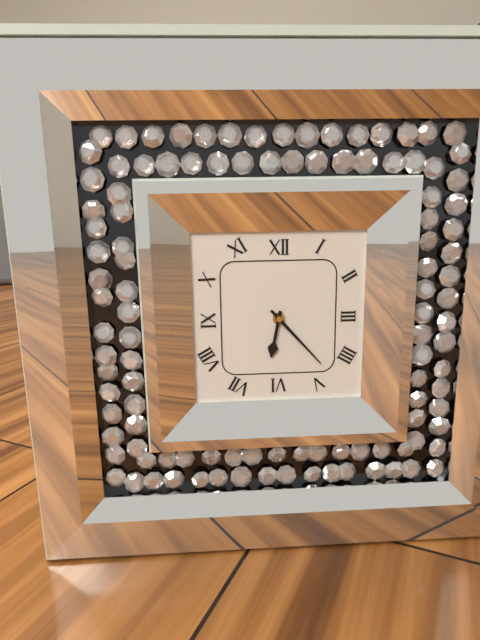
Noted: **6:23**
